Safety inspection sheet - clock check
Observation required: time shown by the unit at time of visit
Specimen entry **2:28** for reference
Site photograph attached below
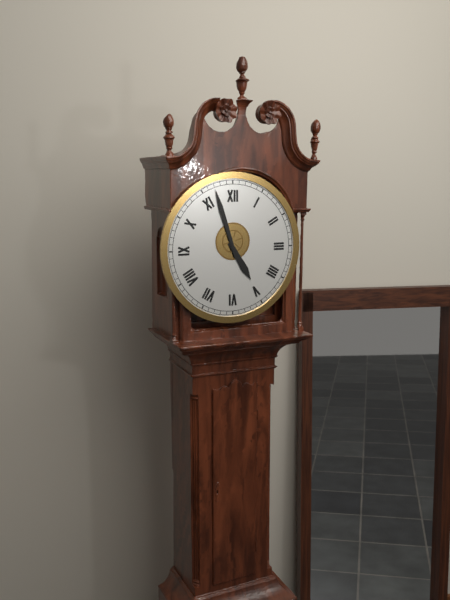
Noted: **4:57**
